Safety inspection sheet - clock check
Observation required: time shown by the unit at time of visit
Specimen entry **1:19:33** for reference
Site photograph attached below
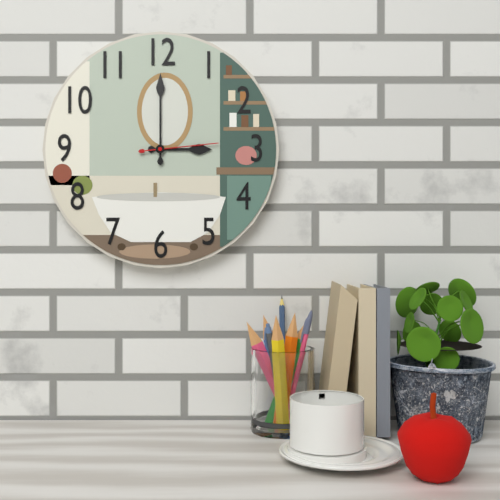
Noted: **3:00:14**
